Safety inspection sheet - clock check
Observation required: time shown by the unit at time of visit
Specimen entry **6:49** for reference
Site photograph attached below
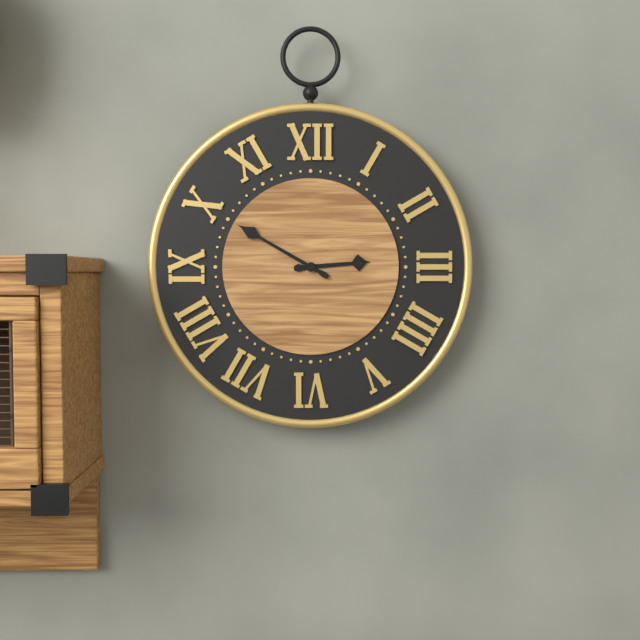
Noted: **2:50**
